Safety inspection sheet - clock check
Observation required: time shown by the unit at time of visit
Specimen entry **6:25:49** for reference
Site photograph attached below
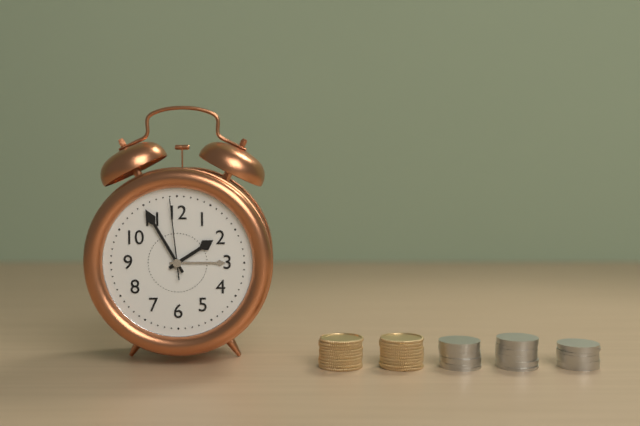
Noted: **1:55:59**
